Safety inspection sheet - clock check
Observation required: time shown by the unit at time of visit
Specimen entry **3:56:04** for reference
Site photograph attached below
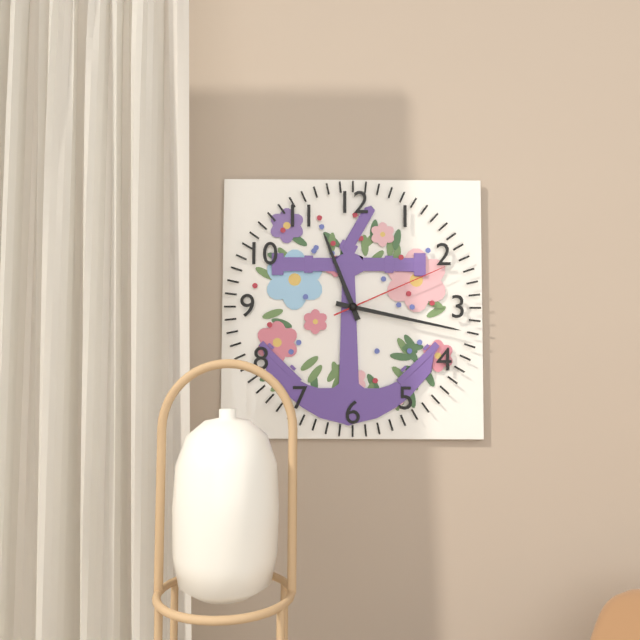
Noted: **11:17:11**
